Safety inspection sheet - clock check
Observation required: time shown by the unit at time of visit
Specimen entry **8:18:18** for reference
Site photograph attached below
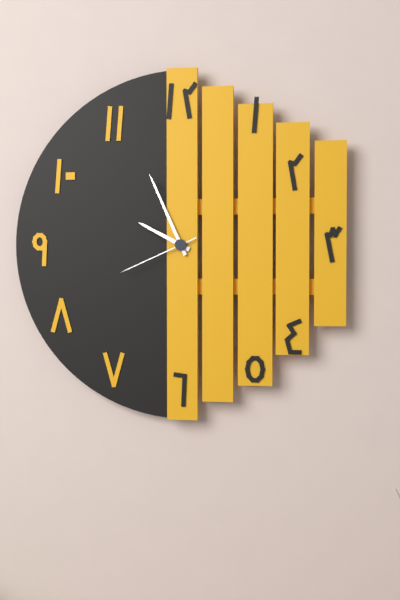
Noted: **9:56:41**
